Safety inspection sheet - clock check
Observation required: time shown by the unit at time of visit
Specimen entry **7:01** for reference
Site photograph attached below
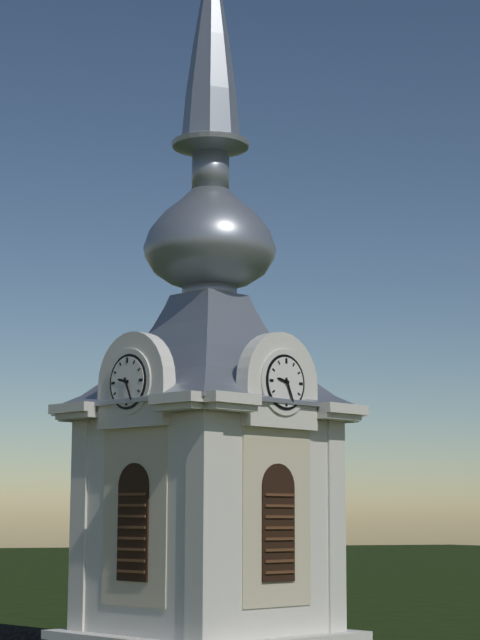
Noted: **9:26**
